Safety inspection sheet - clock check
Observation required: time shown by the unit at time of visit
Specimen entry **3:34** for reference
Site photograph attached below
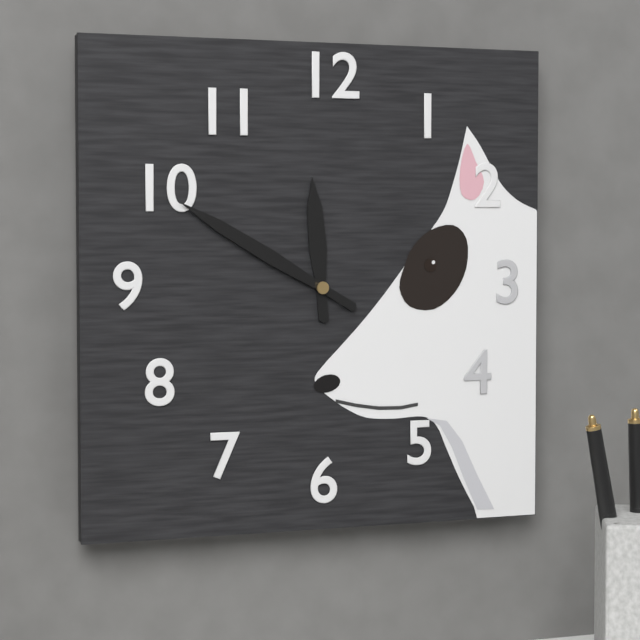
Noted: **11:50**
